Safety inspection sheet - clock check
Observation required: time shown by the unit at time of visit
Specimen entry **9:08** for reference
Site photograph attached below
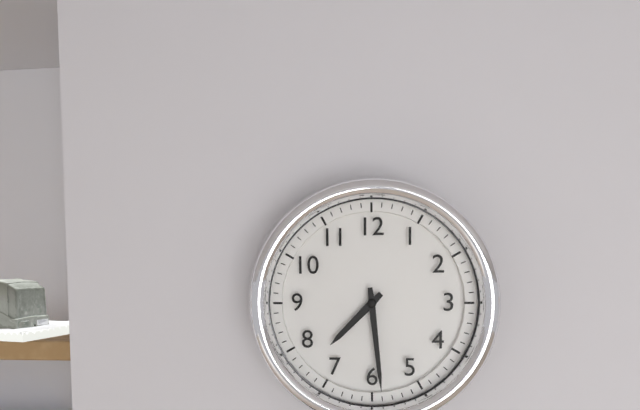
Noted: **7:29**
